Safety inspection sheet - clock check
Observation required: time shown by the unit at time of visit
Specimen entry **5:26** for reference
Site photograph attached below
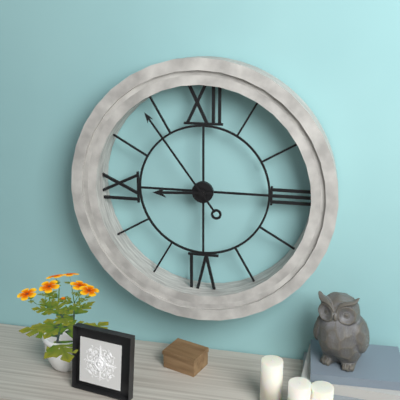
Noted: **8:54**
